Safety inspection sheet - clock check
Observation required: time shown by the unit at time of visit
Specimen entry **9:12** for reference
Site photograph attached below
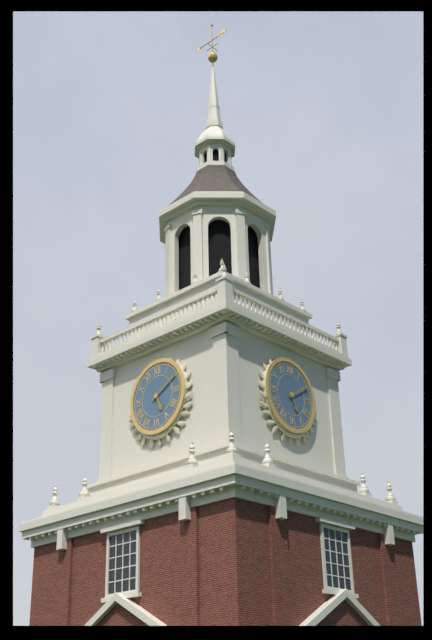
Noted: **5:10**
